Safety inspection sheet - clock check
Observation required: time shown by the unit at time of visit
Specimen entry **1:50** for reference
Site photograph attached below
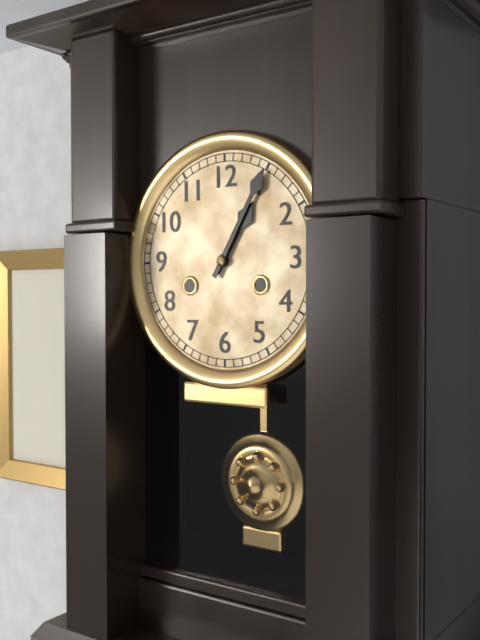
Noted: **1:05**
